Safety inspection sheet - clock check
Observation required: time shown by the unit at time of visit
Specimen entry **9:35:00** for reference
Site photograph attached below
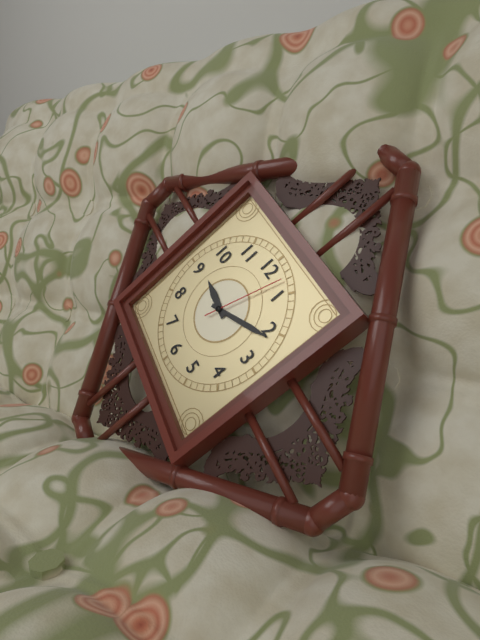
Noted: **9:11:03**
